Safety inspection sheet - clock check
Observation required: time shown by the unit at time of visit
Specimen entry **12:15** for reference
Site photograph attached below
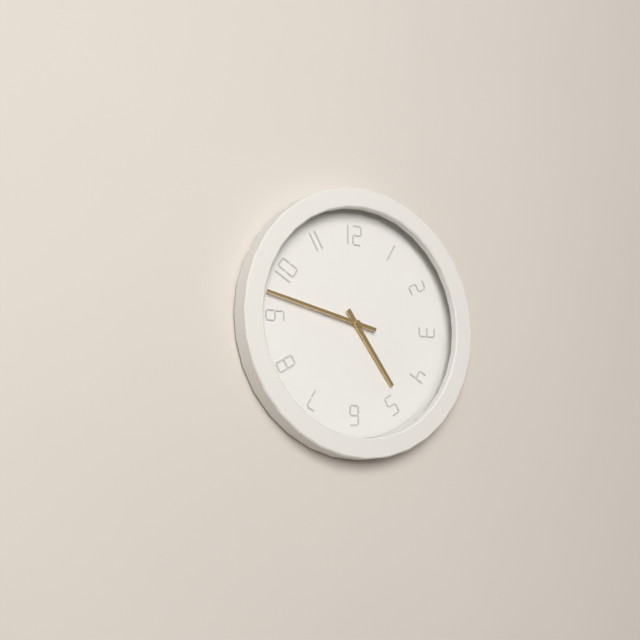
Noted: **4:47**
